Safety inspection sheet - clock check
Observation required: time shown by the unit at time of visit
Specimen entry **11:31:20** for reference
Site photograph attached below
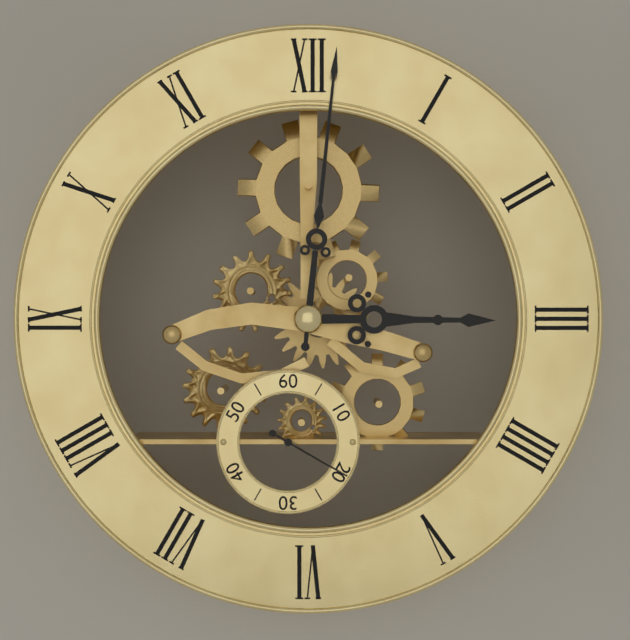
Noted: **3:01:20**
